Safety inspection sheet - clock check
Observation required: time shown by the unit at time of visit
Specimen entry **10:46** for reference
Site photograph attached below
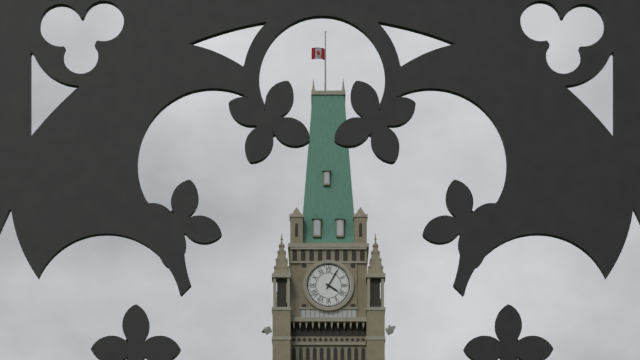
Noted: **4:05**
